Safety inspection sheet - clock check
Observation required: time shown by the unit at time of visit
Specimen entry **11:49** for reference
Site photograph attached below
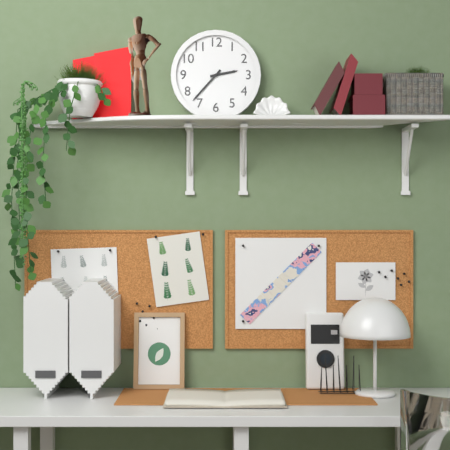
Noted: **2:37**
